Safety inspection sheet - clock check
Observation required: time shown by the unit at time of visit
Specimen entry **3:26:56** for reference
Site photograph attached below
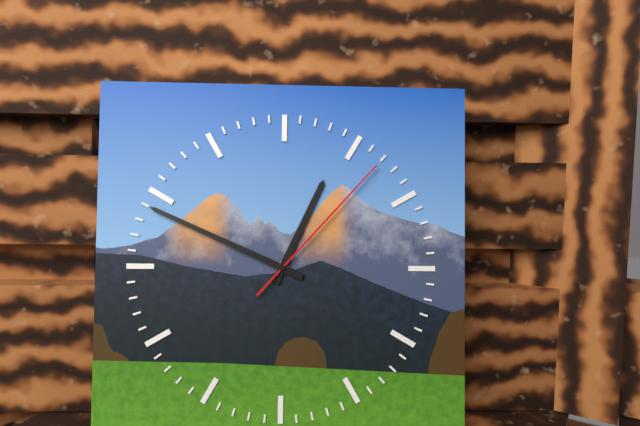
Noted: **12:49:07**
